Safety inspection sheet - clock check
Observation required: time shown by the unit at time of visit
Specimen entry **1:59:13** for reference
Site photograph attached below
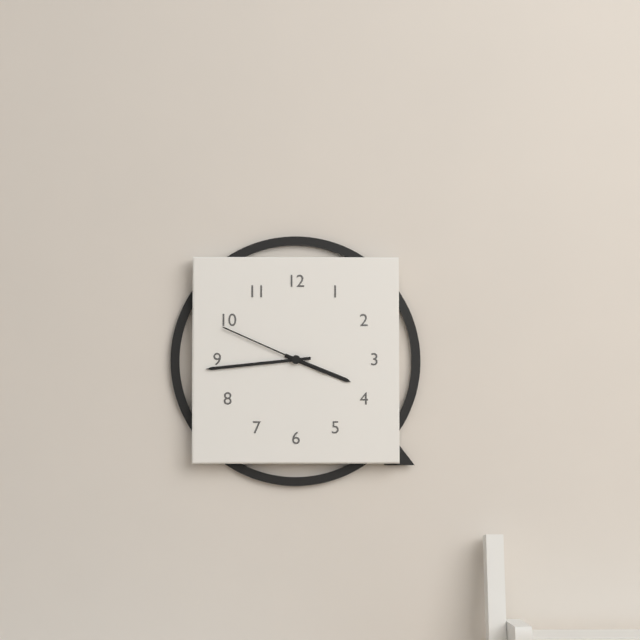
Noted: **3:44:49**
